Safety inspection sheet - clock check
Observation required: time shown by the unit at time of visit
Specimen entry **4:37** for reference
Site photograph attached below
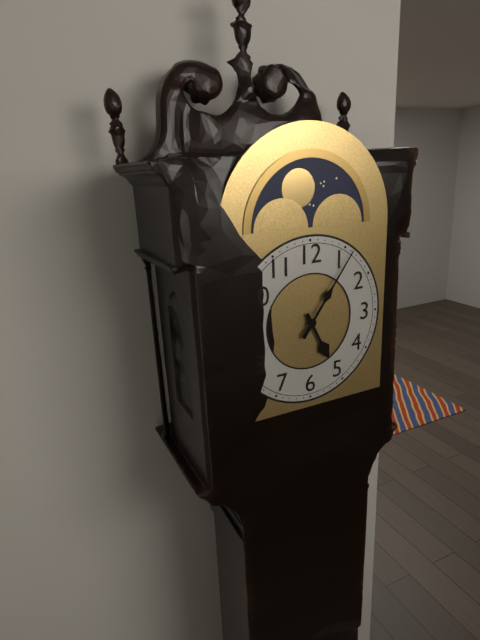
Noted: **5:06**
